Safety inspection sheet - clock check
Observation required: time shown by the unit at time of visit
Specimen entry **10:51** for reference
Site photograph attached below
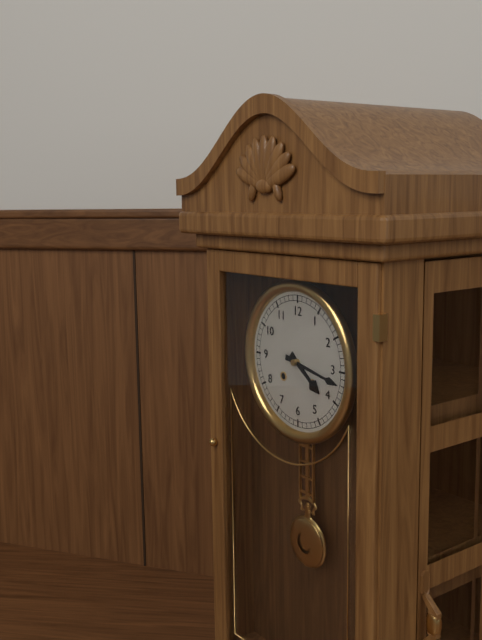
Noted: **4:17**
